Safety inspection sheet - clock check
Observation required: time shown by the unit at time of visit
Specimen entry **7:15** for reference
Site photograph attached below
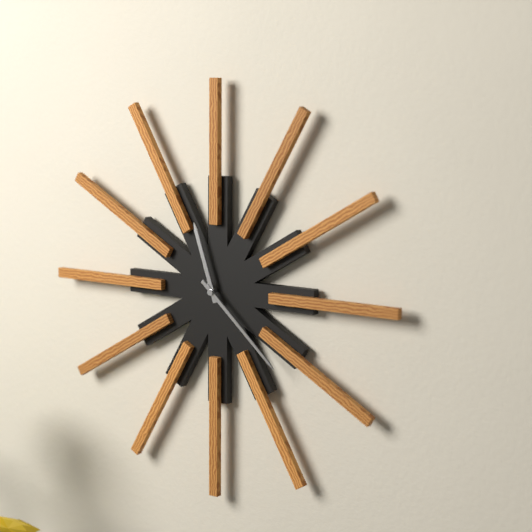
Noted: **11:22**
